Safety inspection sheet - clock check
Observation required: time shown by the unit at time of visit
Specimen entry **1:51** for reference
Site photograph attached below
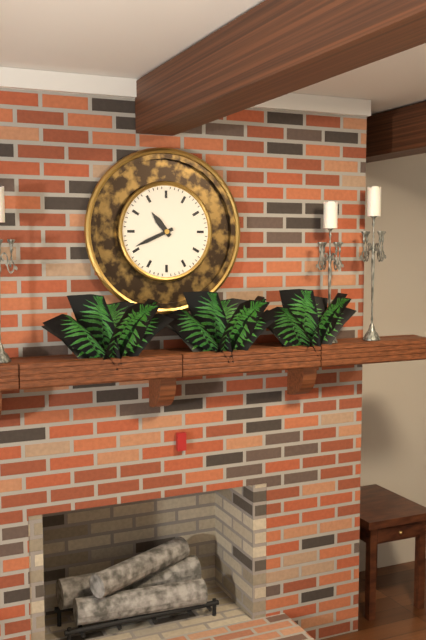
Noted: **10:41**
